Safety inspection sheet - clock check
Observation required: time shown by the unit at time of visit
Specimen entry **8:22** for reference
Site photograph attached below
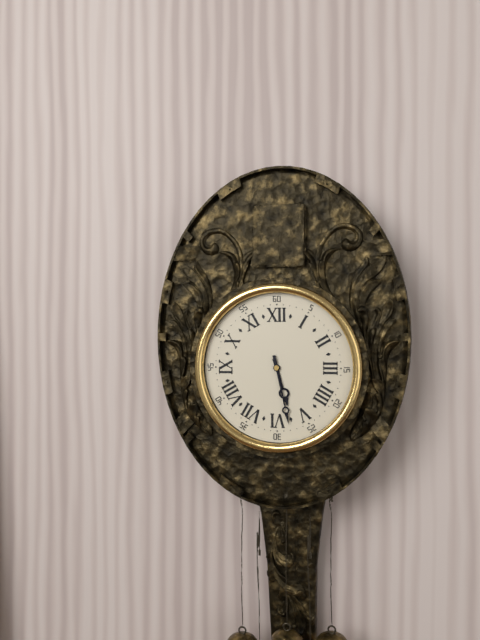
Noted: **5:28**
